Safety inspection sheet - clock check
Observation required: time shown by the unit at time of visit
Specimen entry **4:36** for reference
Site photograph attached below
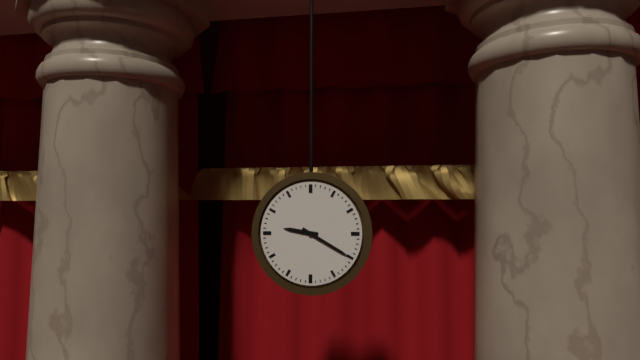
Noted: **9:20**
